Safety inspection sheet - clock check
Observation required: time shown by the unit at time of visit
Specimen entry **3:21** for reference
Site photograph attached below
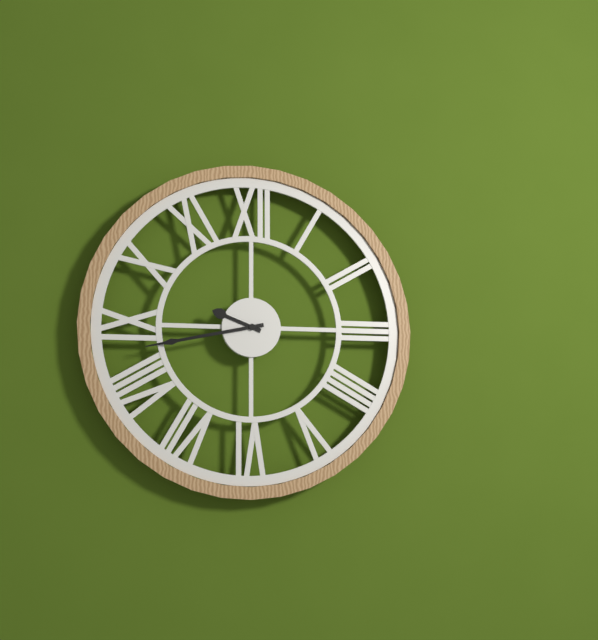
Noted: **9:43**
